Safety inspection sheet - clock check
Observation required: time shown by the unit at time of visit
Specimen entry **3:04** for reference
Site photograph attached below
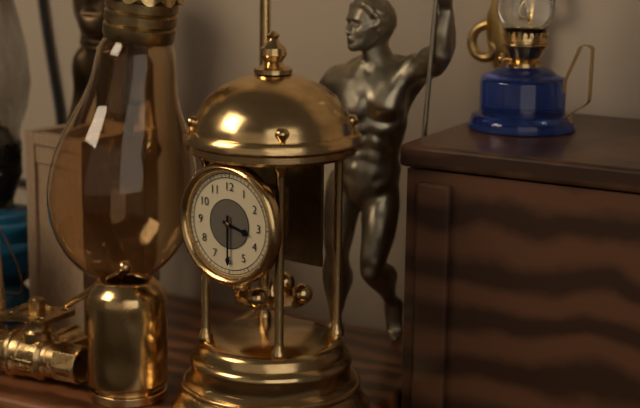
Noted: **3:30**
